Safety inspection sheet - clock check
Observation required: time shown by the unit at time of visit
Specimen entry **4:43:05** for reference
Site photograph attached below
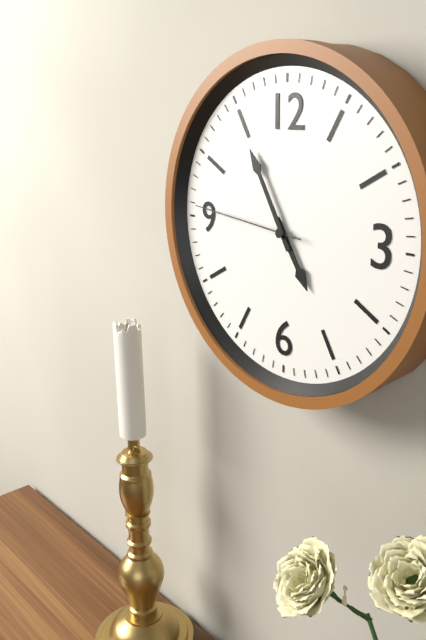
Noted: **4:55:46**
